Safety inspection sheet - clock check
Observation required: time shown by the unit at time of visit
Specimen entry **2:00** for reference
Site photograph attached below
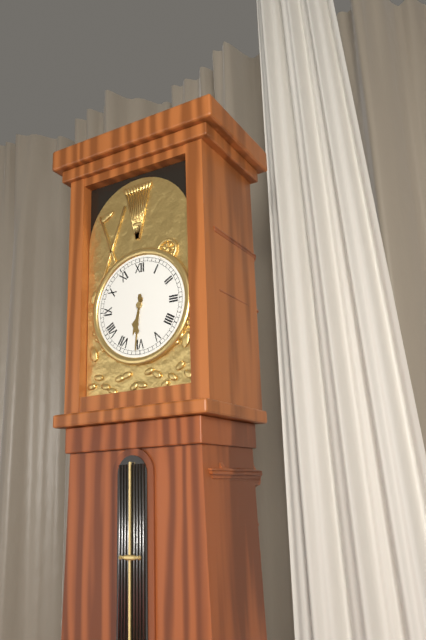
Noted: **6:31**
